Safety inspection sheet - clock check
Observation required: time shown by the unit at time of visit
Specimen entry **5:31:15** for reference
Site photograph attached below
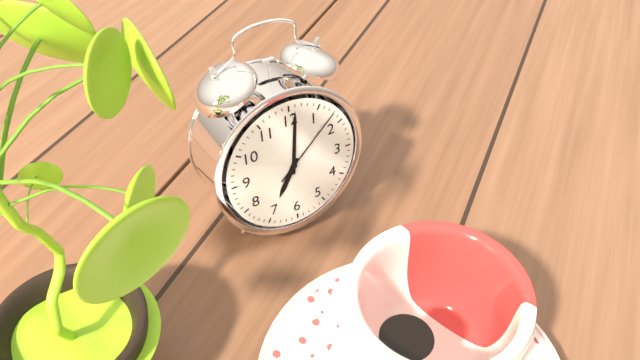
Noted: **7:01:08**
